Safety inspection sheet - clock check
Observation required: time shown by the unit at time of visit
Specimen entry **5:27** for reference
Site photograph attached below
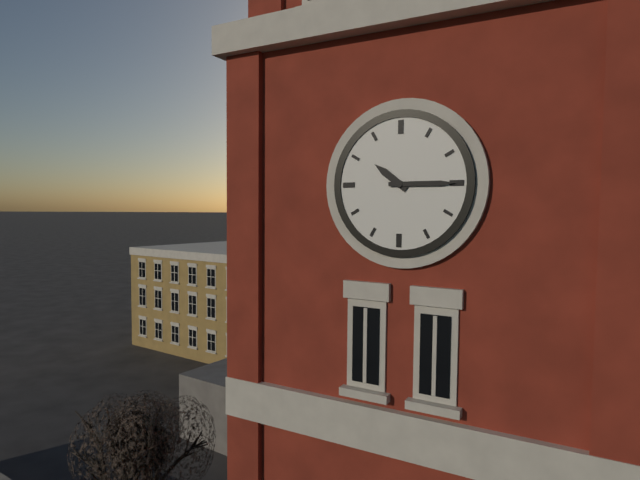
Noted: **10:15**
